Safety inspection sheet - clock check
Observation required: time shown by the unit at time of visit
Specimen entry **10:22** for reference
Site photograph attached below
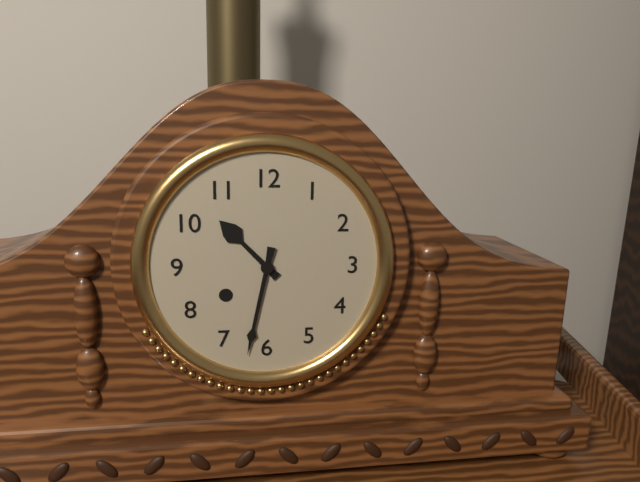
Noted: **10:32**
